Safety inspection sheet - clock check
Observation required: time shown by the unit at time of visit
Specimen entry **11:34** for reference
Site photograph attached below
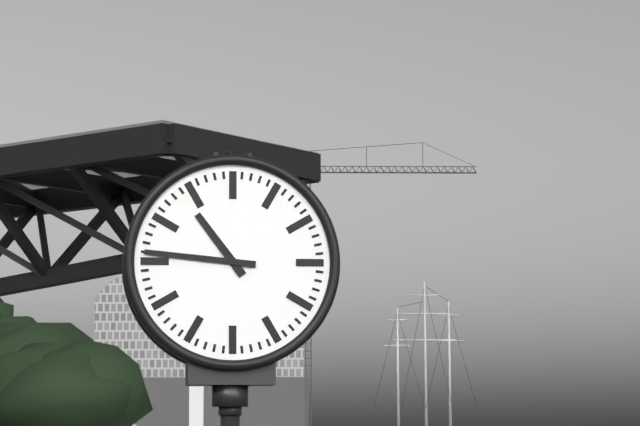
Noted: **10:46**
